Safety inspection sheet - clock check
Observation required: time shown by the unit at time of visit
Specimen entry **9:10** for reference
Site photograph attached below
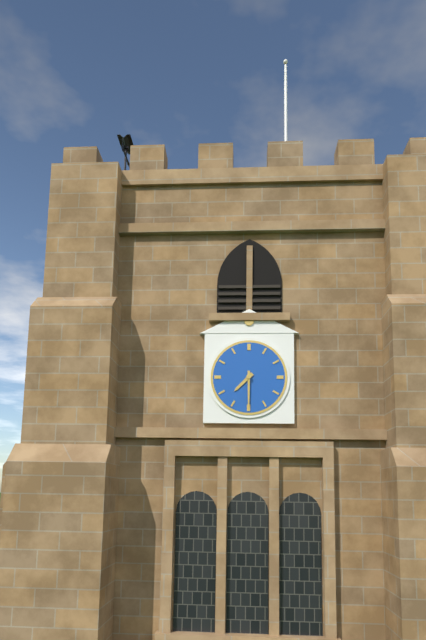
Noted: **7:30**
